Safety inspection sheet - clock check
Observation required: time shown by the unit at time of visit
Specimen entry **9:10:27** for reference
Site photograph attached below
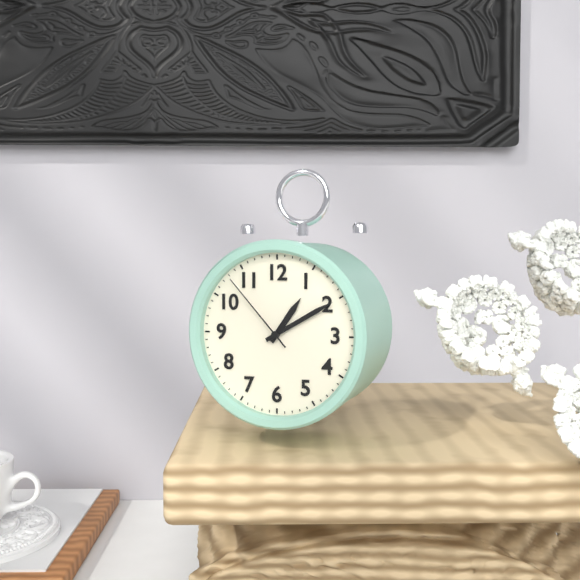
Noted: **1:10:53**
